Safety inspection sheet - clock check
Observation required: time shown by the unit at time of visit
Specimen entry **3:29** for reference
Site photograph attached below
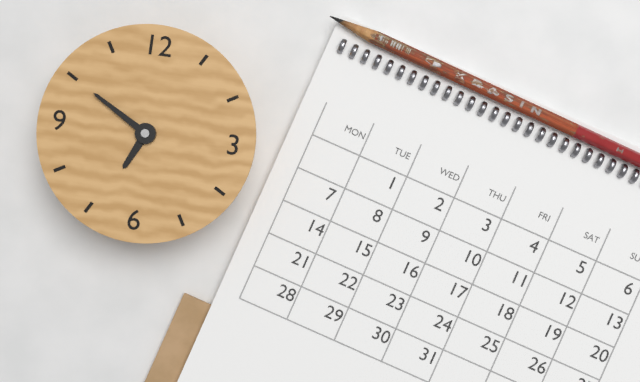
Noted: **6:50**
